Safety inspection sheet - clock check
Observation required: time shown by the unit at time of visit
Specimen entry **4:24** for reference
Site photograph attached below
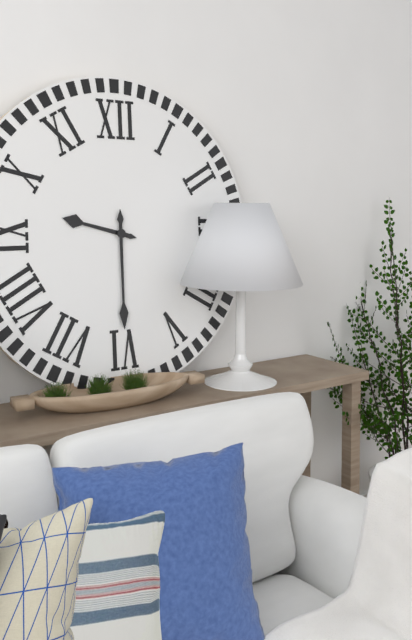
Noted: **9:30**
